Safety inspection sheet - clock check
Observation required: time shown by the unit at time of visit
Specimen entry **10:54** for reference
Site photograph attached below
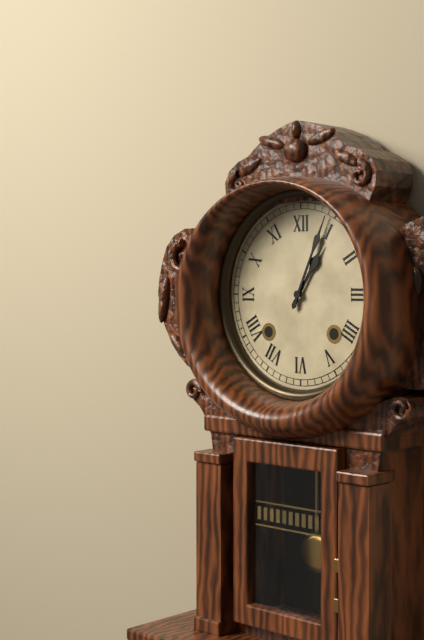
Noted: **1:04**
